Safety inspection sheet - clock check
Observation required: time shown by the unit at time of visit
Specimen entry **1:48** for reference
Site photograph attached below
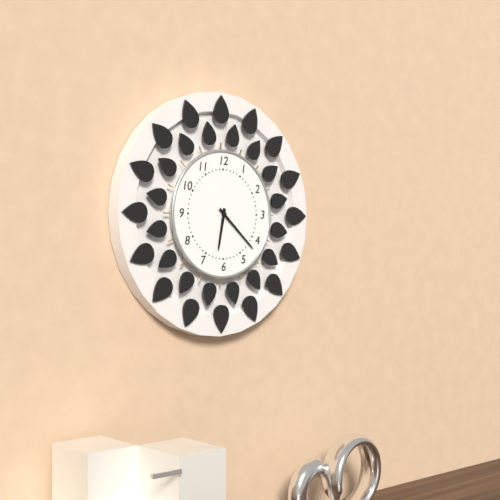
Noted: **6:22**
